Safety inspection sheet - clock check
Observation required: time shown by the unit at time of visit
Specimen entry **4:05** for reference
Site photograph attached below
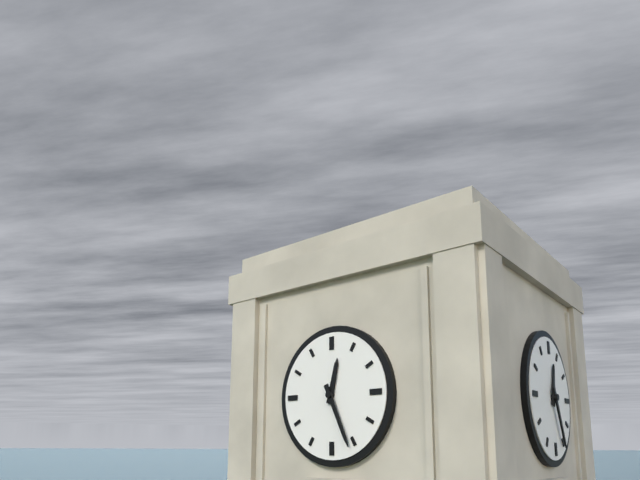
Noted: **12:26**
